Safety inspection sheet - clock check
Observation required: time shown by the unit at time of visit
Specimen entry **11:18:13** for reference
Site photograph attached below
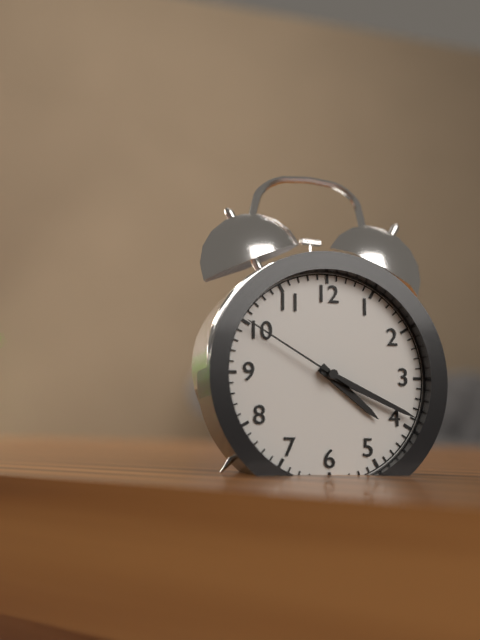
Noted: **4:19:50**
